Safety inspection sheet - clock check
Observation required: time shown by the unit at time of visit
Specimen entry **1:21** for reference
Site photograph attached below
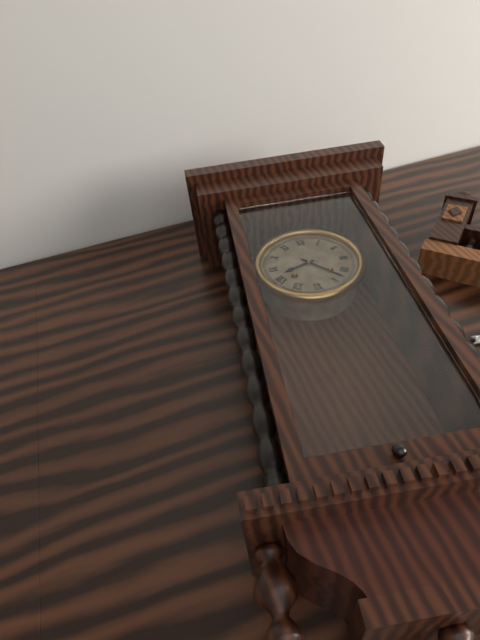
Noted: **8:23**
